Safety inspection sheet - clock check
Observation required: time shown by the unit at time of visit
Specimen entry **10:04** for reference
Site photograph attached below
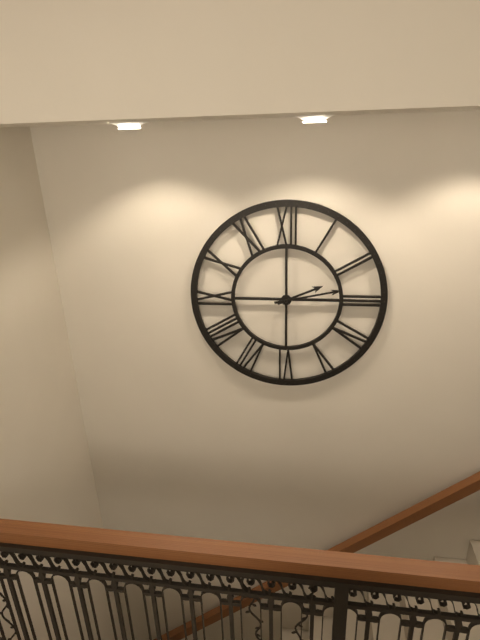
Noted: **2:13**
